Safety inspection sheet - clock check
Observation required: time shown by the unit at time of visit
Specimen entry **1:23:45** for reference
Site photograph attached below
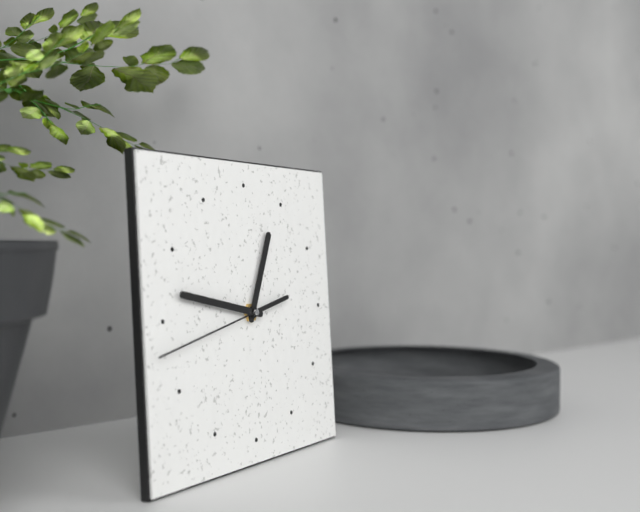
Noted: **12:47:43**
